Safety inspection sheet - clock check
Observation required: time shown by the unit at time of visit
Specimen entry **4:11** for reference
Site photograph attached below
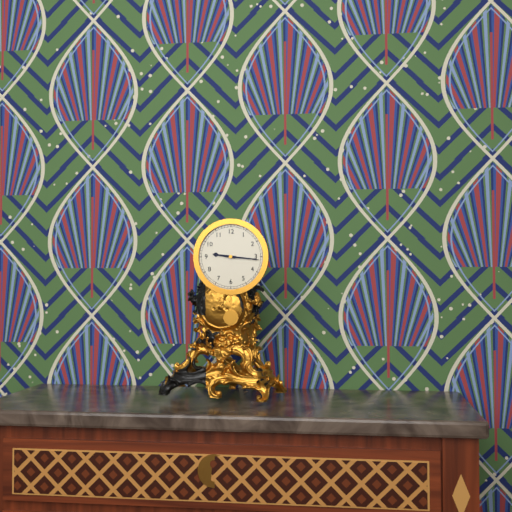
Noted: **9:16**
